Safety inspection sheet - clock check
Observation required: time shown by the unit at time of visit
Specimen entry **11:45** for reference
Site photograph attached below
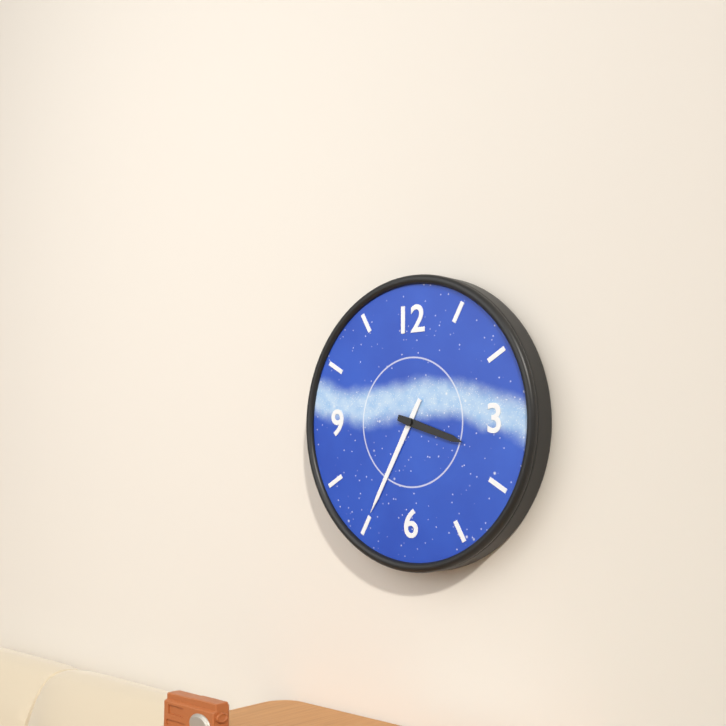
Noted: **3:35**
